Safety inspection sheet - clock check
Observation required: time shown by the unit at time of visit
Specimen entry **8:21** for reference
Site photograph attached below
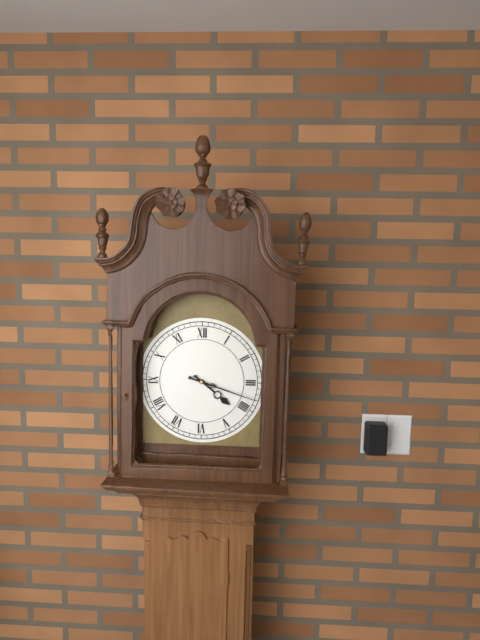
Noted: **4:18**
